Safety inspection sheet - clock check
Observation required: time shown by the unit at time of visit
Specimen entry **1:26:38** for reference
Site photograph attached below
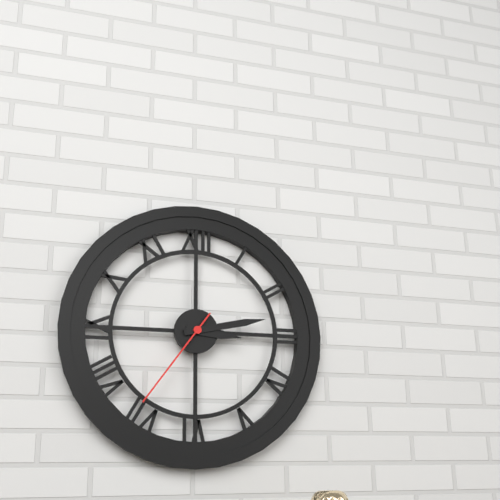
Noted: **3:13:36**
